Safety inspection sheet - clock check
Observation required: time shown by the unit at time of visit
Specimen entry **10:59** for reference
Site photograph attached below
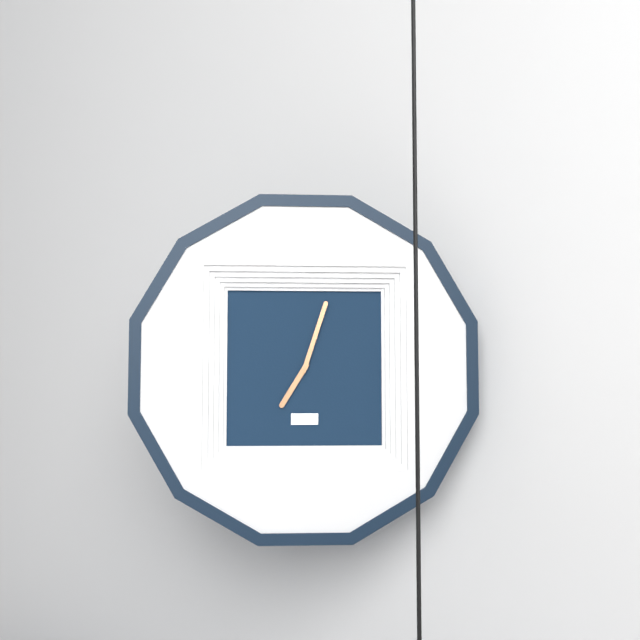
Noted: **7:03**
